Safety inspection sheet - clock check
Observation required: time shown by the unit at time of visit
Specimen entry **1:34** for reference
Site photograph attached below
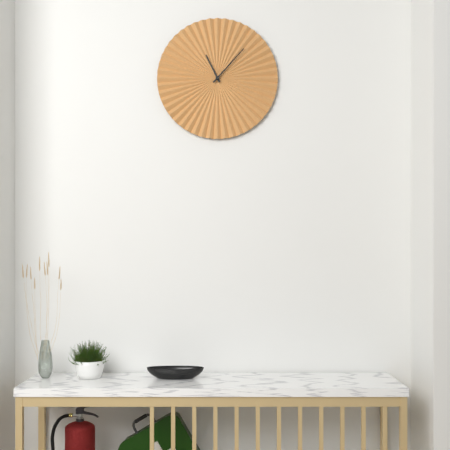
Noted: **11:07**
